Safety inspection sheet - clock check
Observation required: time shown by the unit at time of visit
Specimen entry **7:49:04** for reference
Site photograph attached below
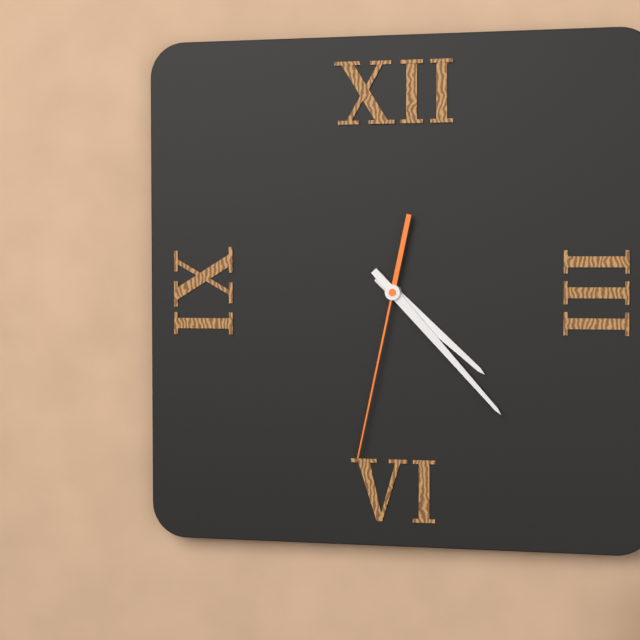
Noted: **4:23:32**
